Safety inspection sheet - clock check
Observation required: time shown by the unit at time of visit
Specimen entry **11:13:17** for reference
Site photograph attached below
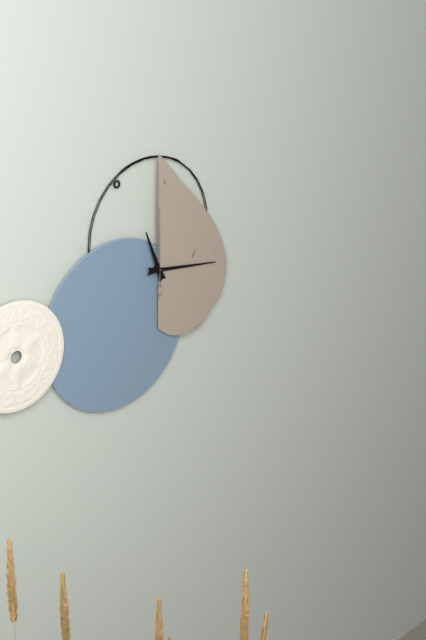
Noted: **11:16:00**
